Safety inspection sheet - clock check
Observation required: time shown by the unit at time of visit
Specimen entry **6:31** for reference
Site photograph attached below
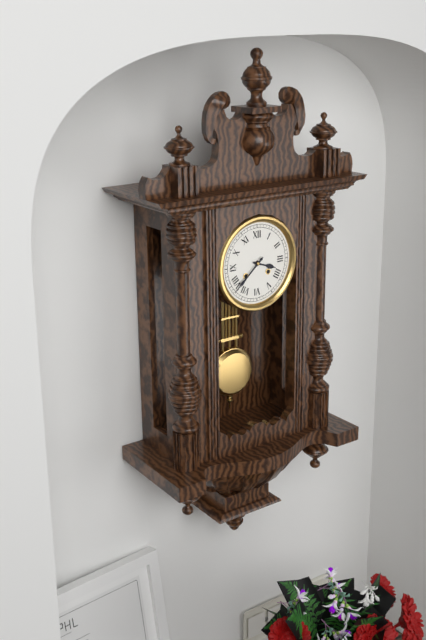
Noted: **3:38**
